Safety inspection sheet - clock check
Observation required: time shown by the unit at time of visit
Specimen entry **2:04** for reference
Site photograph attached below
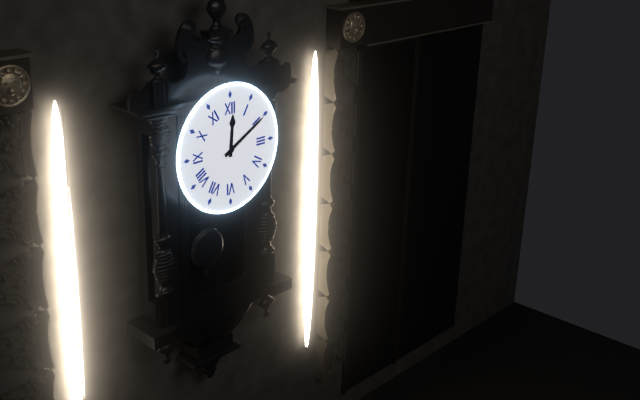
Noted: **12:10**
